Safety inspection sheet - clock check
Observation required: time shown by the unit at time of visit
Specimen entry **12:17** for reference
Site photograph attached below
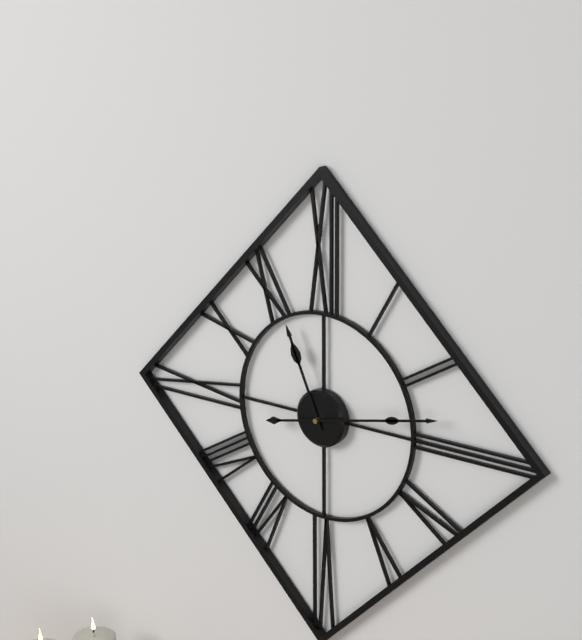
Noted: **11:13**
